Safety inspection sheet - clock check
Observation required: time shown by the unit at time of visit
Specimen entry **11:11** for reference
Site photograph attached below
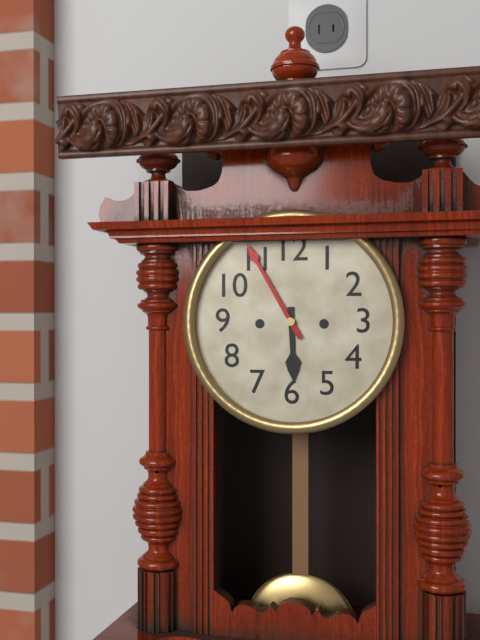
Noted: **5:55**
